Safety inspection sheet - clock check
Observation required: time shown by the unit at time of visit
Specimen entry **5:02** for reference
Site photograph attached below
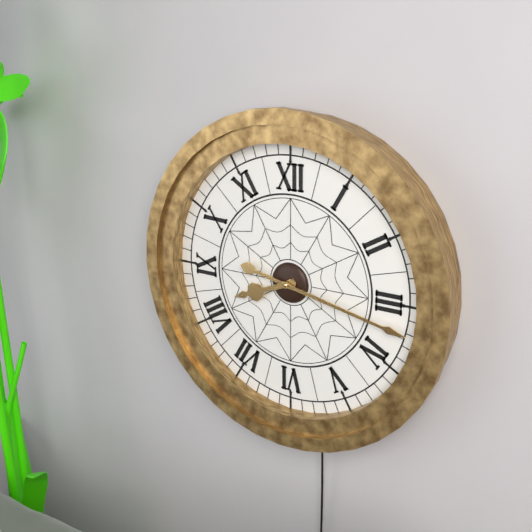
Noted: **8:17**
